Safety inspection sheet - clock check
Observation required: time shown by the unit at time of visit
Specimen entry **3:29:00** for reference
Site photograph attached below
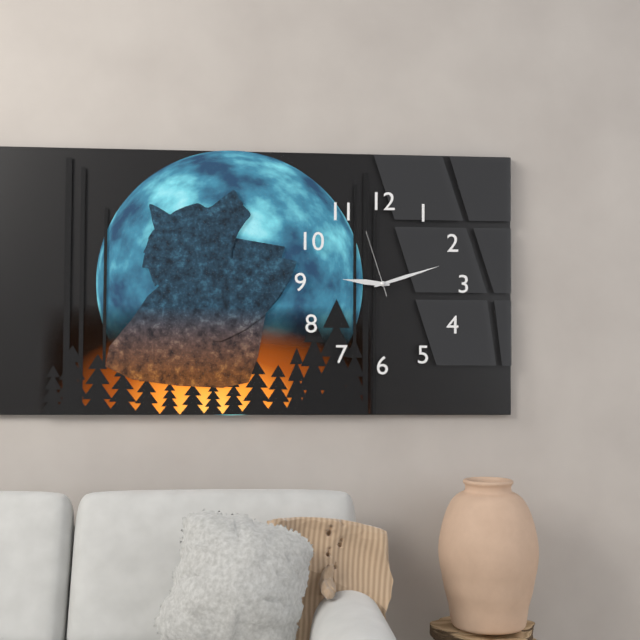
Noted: **9:12:57**
